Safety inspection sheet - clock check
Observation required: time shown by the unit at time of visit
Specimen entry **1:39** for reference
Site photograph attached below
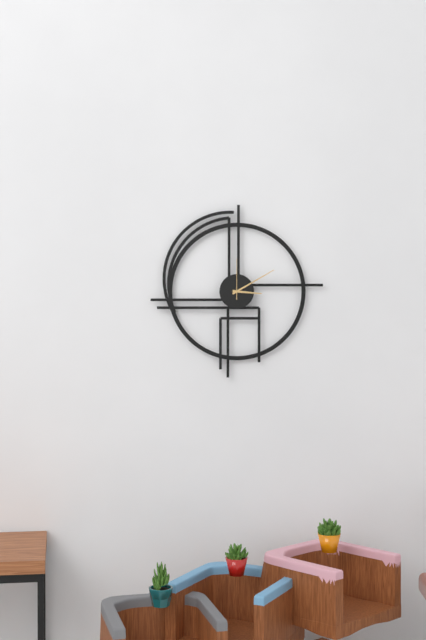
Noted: **3:10**
